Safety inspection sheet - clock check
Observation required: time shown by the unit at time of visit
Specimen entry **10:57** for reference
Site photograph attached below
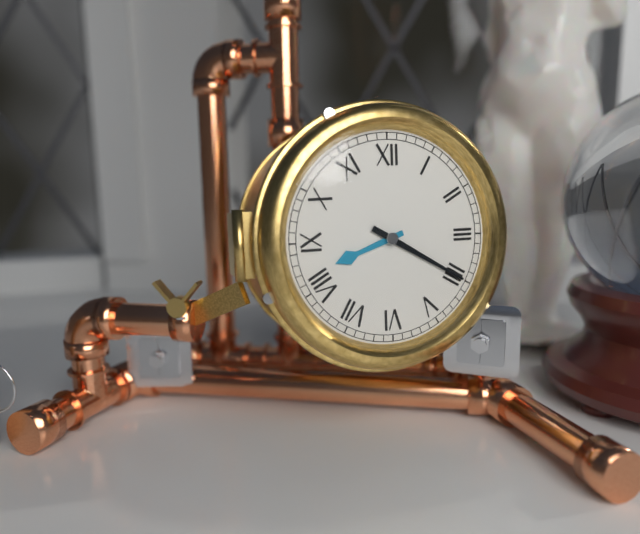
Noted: **8:20**
